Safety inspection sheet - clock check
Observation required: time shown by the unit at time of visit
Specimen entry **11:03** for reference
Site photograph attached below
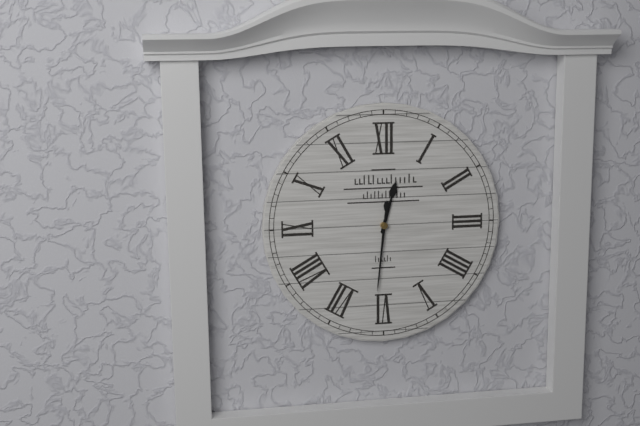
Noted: **12:31**
